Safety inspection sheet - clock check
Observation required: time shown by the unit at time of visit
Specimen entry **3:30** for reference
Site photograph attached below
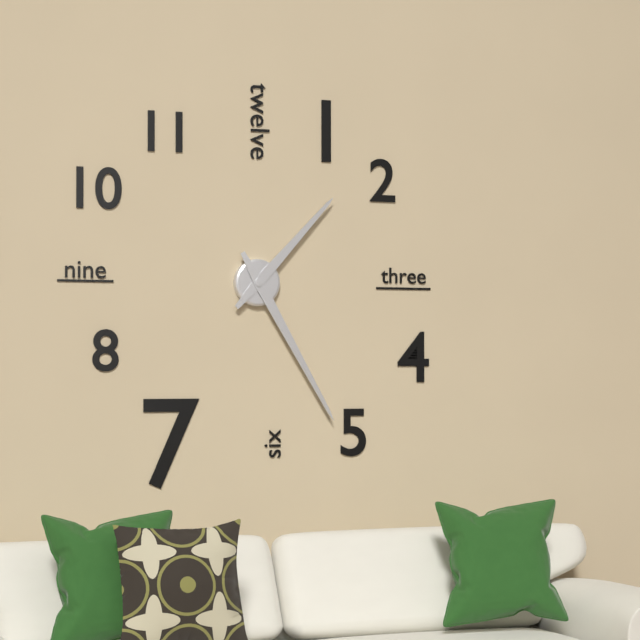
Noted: **1:25**
